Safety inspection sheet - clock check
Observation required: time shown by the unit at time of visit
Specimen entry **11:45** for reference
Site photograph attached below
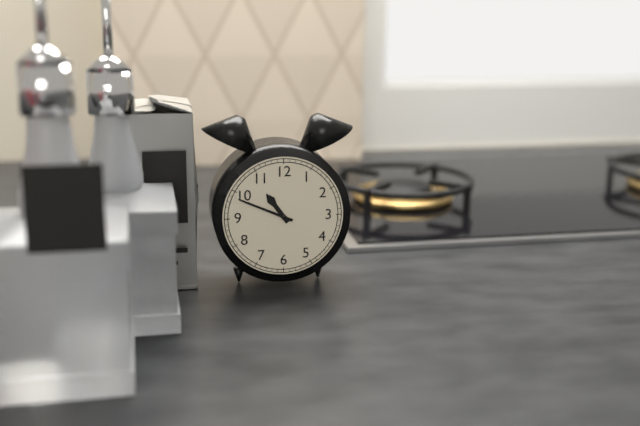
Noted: **10:49**
